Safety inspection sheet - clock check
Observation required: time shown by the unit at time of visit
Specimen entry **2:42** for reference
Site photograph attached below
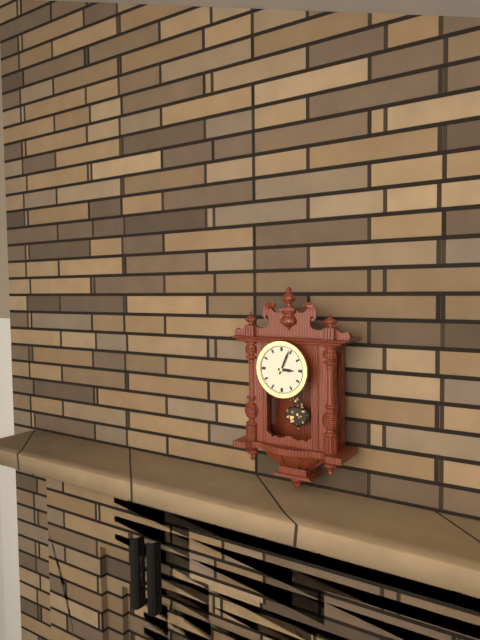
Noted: **3:04**
